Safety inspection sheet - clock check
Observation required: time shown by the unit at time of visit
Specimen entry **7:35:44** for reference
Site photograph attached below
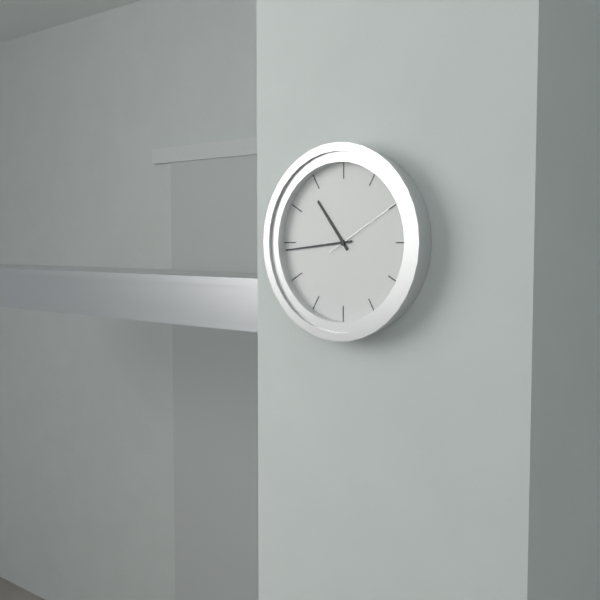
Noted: **10:44:10**
